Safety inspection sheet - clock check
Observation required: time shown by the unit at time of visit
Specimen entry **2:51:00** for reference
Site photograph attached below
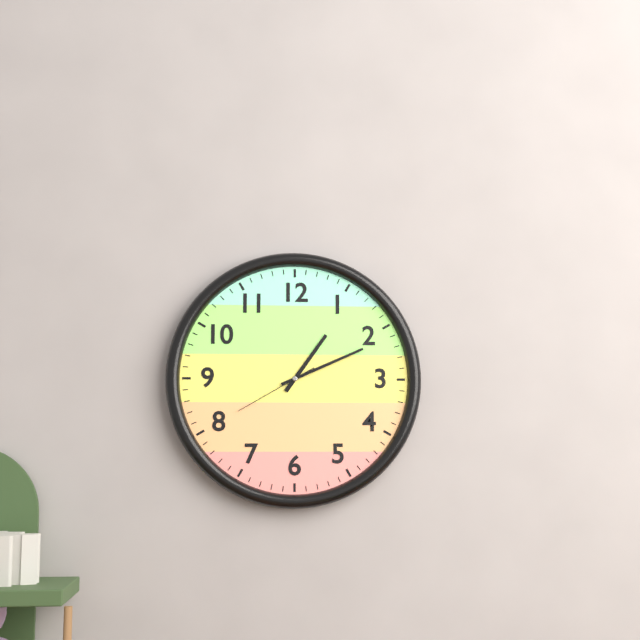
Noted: **1:11:40**
